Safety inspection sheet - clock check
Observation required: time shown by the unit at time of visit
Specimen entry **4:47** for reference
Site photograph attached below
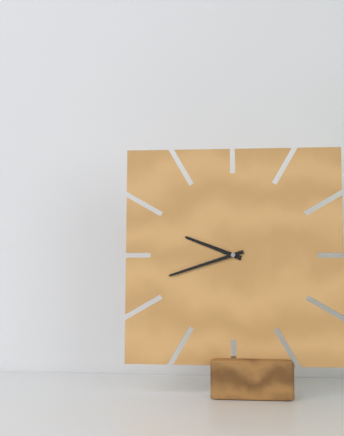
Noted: **9:42**
